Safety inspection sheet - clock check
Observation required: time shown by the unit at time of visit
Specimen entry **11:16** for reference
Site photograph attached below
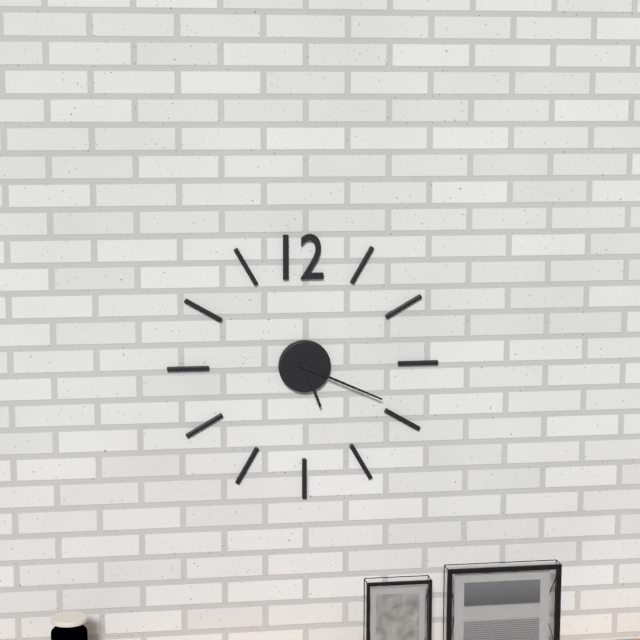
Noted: **5:19**
